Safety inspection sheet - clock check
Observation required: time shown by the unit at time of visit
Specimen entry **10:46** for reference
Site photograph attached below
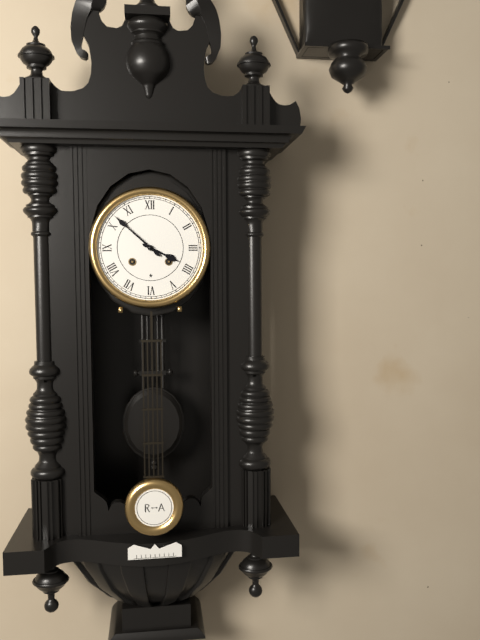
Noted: **3:52**
